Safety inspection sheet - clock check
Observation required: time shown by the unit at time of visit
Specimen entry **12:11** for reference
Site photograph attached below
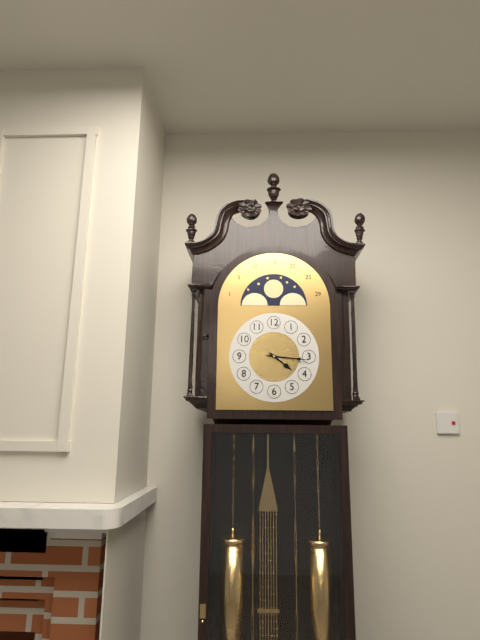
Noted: **4:16**
